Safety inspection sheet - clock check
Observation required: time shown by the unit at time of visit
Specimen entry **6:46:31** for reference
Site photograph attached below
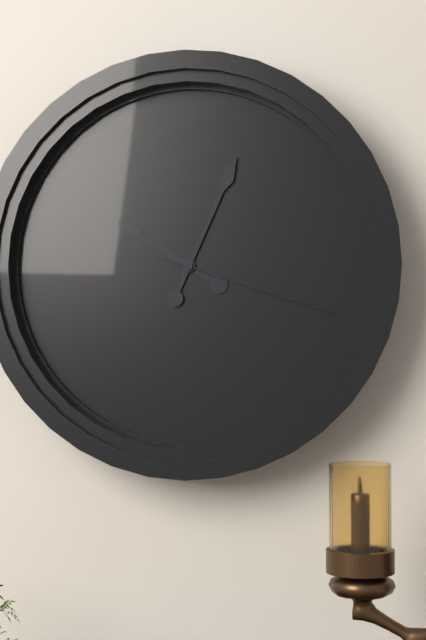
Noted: **10:04:18**
